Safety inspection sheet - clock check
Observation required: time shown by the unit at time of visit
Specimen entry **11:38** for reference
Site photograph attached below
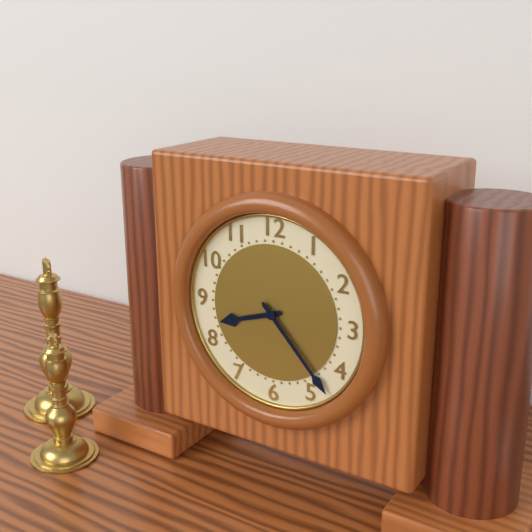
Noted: **8:23**
